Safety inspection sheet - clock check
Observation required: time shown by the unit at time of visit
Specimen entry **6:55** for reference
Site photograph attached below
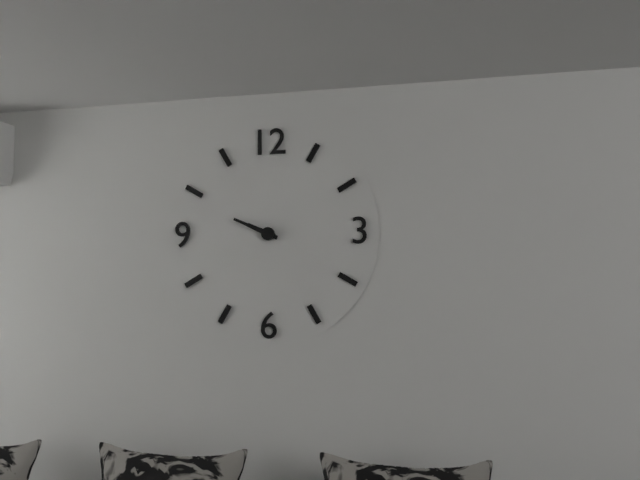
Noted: **9:49**
